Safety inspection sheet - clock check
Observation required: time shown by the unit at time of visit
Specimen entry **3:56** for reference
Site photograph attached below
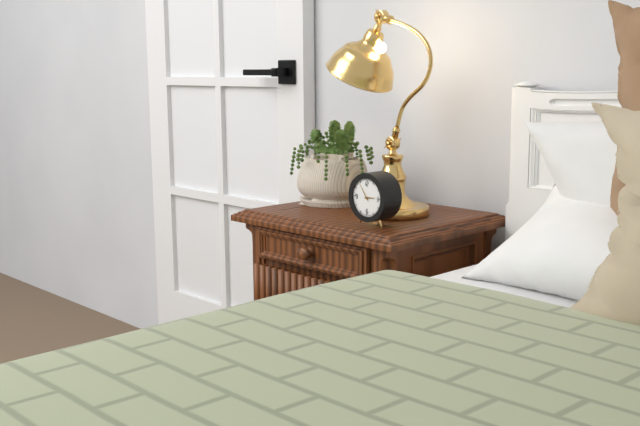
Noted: **2:54**
